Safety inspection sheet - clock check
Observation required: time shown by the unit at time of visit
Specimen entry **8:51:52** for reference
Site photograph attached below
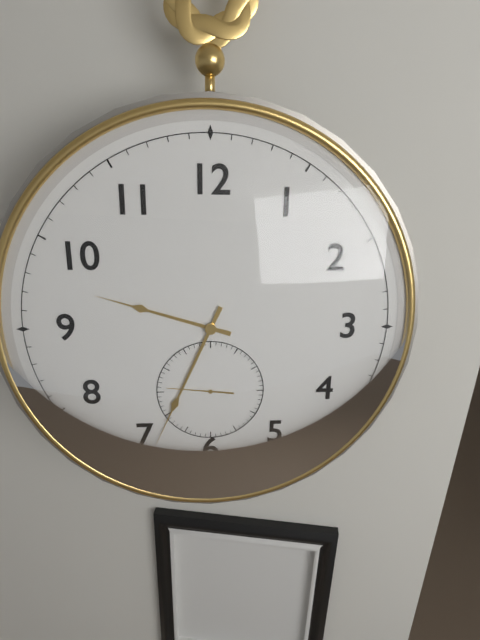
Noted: **9:34:46**
